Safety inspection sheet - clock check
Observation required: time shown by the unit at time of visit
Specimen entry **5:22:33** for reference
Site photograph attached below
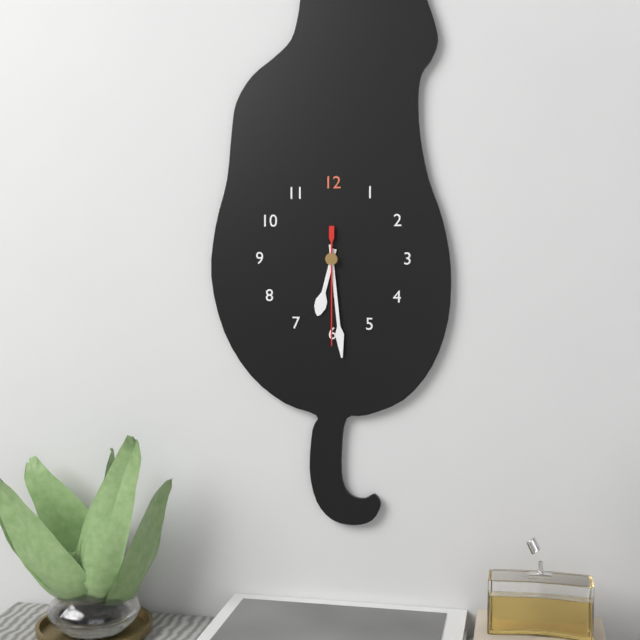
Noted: **6:29:30**
